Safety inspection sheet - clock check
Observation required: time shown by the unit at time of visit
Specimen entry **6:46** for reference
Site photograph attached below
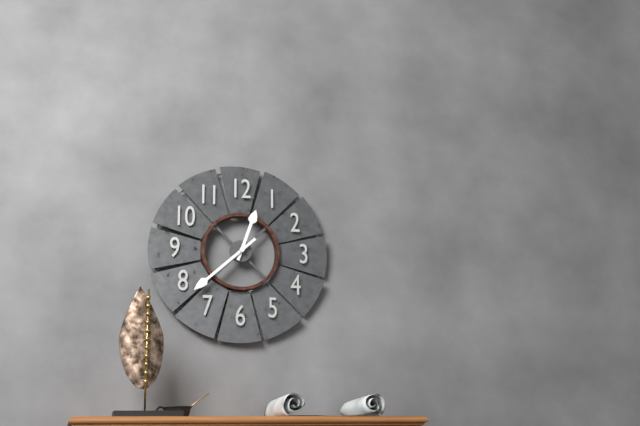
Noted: **12:38**
